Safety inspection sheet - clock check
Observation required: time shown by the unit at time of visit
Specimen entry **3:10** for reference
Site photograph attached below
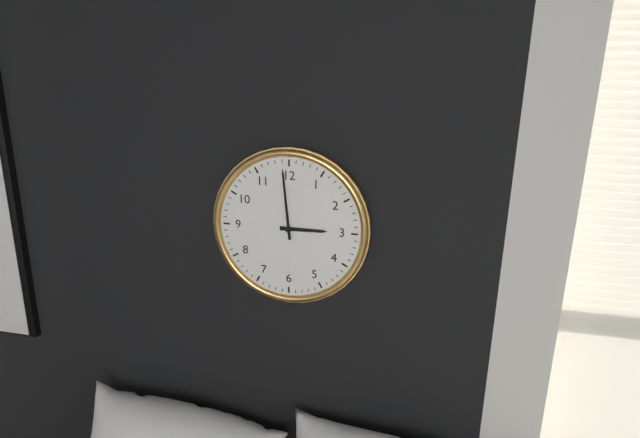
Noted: **2:59**
